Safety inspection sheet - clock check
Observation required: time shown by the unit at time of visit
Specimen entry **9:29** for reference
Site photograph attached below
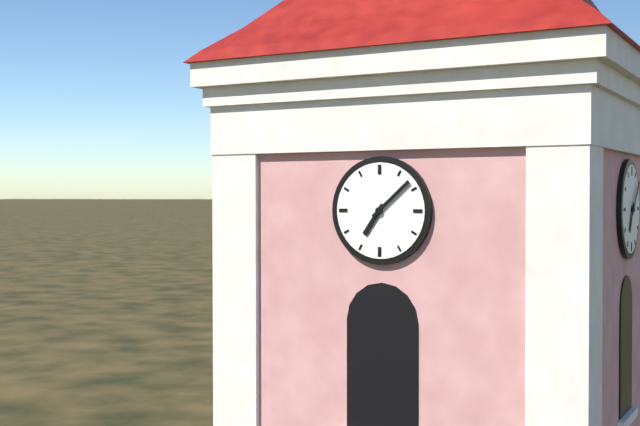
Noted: **7:08**
